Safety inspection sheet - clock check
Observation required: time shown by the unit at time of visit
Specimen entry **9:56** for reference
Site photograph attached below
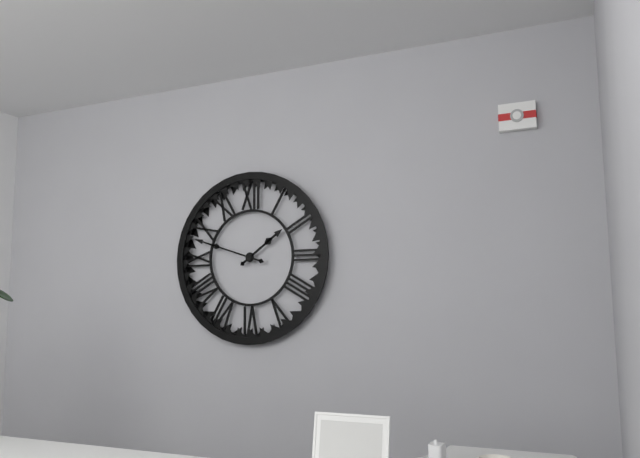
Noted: **1:48**
